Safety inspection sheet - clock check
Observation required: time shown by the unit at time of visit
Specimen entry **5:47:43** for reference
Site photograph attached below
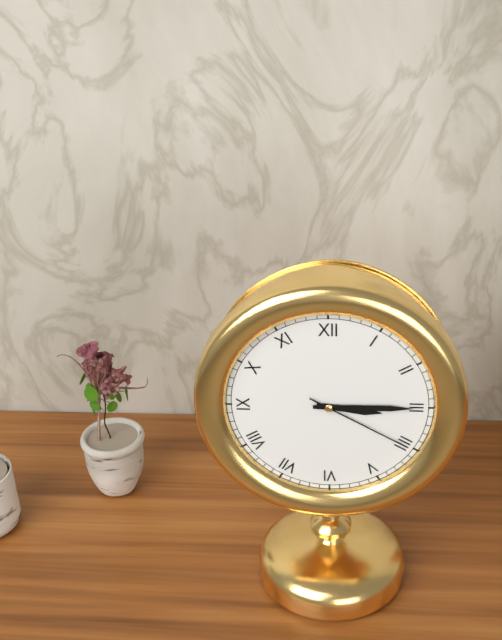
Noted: **3:15:20**
